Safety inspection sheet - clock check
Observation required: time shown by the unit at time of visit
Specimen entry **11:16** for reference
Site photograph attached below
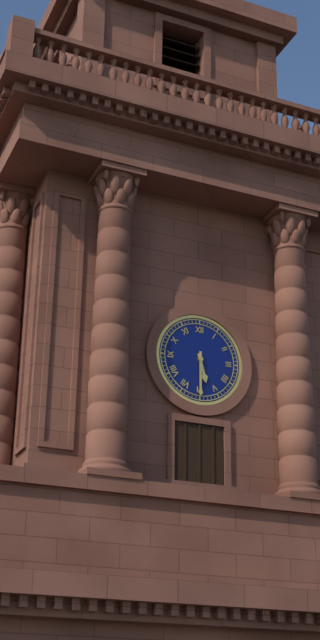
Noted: **5:30**
